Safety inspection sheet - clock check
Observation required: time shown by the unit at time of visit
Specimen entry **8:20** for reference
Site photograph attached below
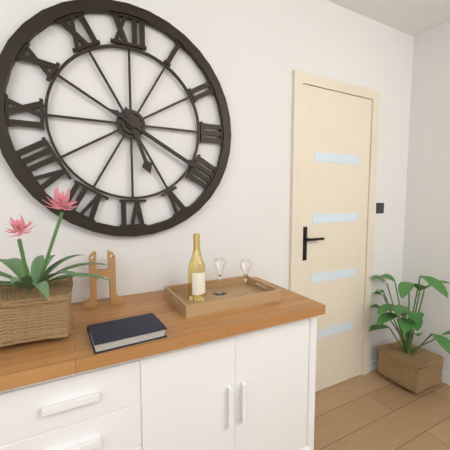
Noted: **5:20**
